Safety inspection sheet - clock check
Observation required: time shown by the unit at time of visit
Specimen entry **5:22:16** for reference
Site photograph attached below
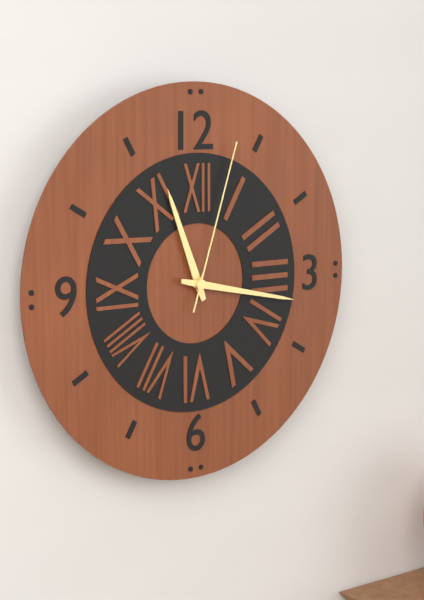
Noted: **11:17:03**
